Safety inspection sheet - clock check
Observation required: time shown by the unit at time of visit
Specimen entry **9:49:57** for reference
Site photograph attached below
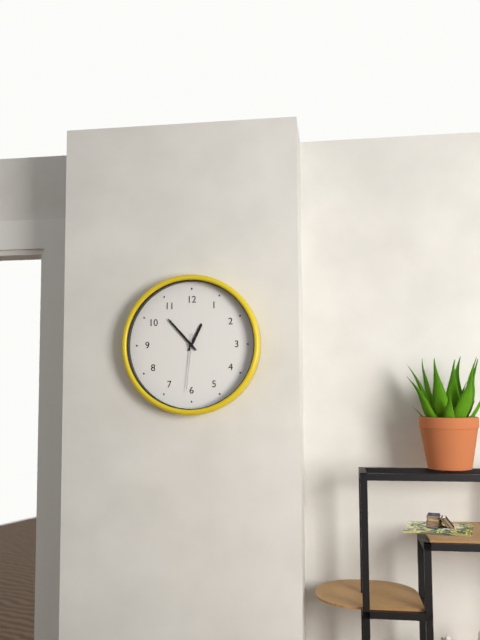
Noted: **12:53:31**
